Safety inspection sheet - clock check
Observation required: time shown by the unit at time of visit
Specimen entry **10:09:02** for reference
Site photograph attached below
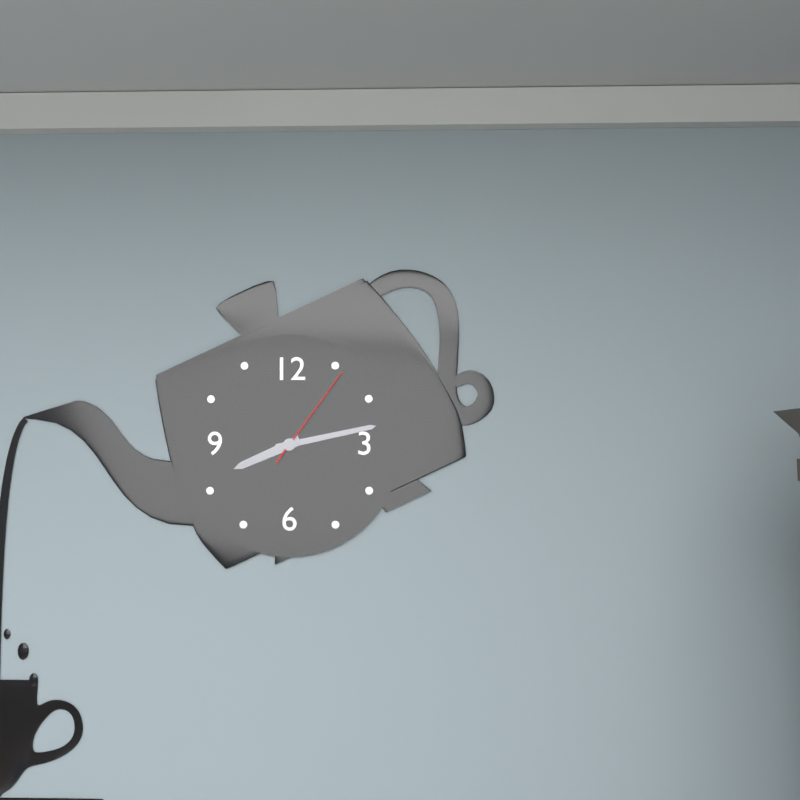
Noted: **8:13:06**
